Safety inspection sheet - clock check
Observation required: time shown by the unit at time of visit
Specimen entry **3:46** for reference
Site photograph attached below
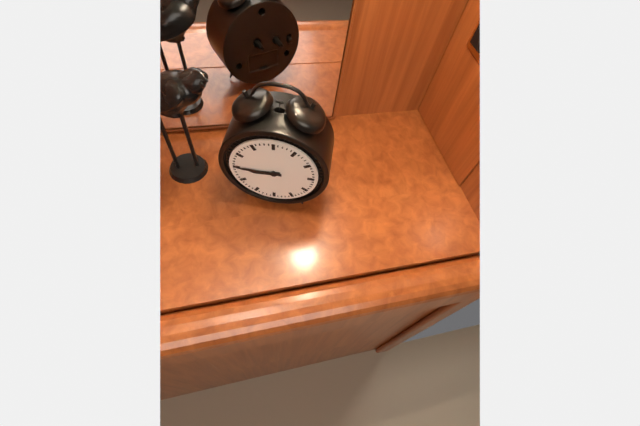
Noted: **8:45**
